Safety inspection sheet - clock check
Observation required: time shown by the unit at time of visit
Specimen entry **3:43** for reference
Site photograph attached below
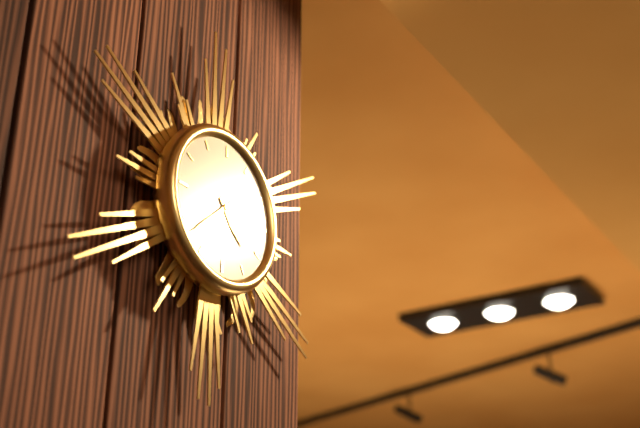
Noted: **4:38**
